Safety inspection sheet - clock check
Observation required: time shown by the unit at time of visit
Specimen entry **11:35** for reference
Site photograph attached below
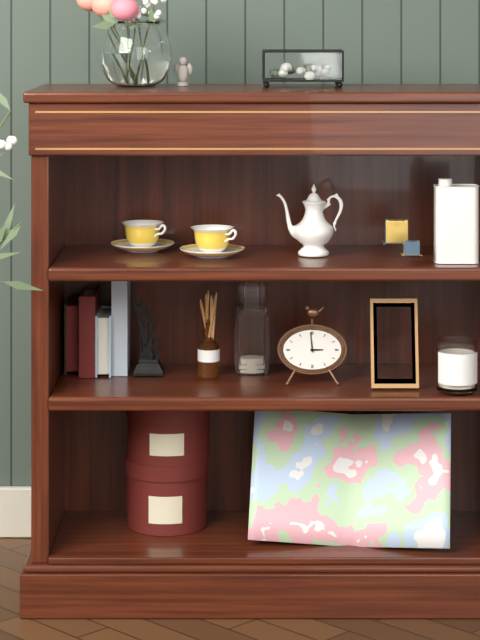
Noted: **2:59**
